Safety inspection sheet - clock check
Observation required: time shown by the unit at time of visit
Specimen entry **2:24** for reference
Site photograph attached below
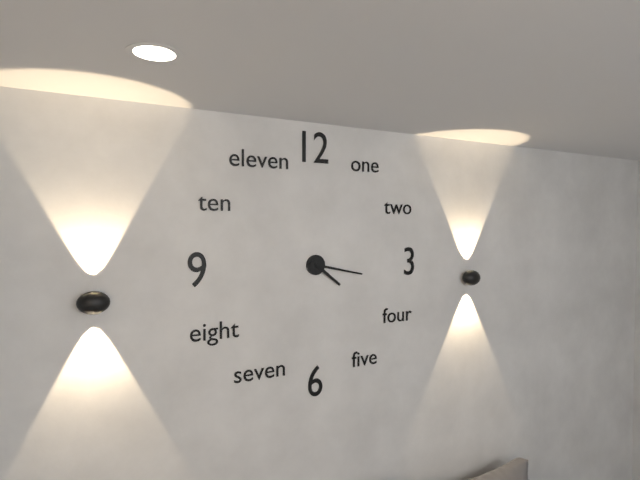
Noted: **4:17**
